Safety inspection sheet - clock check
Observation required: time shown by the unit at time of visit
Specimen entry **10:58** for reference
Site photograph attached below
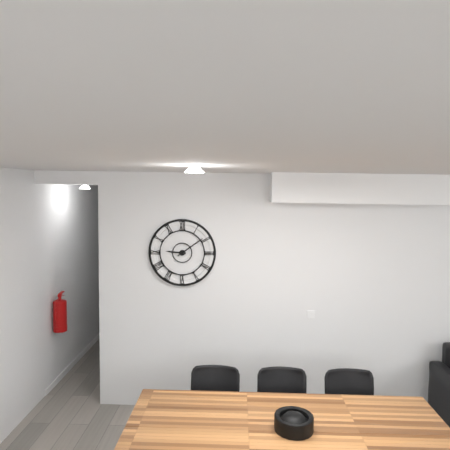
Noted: **9:09**
